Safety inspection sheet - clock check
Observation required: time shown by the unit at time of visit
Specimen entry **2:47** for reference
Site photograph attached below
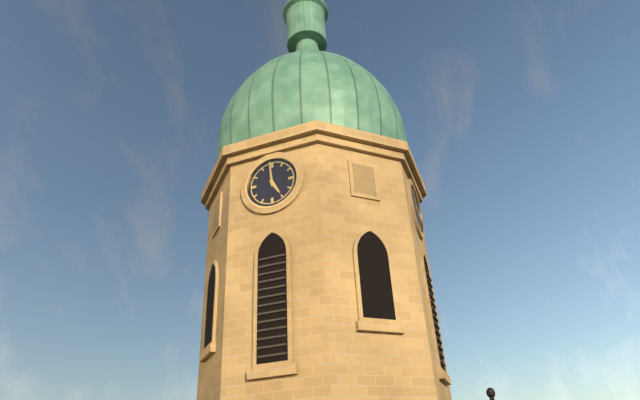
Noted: **4:59**
